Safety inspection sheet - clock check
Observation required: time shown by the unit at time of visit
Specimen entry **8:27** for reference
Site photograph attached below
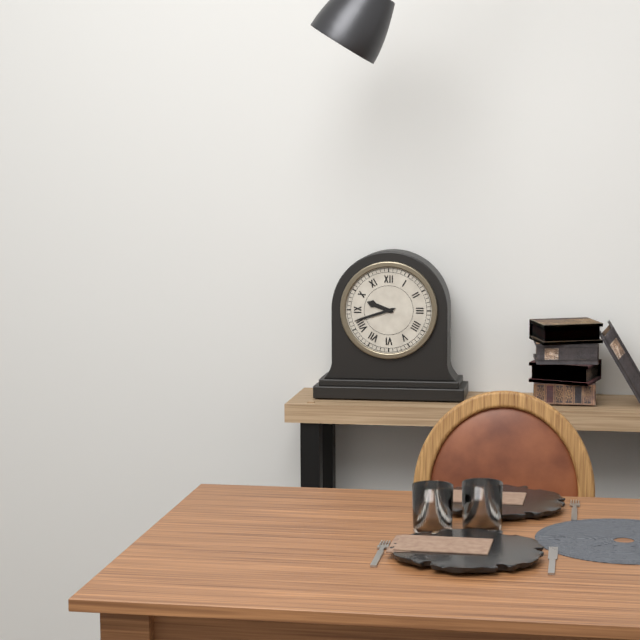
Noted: **9:42**
